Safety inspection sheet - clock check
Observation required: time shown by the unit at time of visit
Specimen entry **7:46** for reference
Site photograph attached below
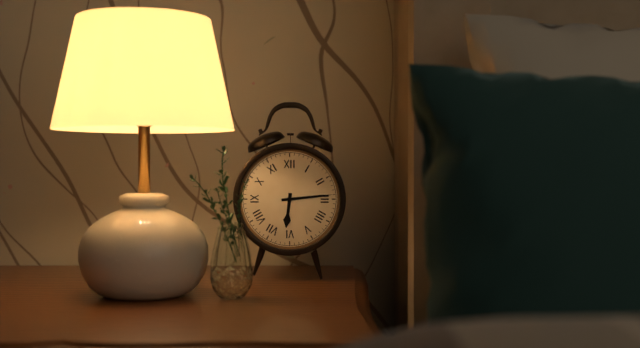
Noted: **6:14**
